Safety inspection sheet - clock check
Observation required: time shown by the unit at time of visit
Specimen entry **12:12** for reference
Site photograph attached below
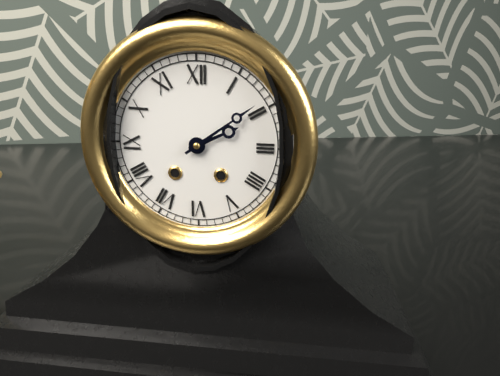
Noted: **2:09**
